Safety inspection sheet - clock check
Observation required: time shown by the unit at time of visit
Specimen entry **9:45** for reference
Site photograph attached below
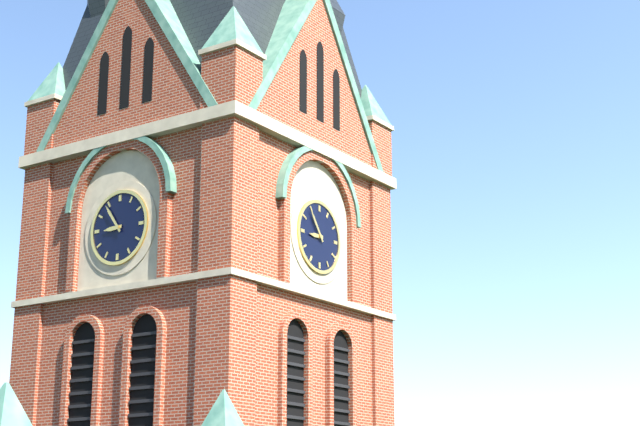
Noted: **8:54**
